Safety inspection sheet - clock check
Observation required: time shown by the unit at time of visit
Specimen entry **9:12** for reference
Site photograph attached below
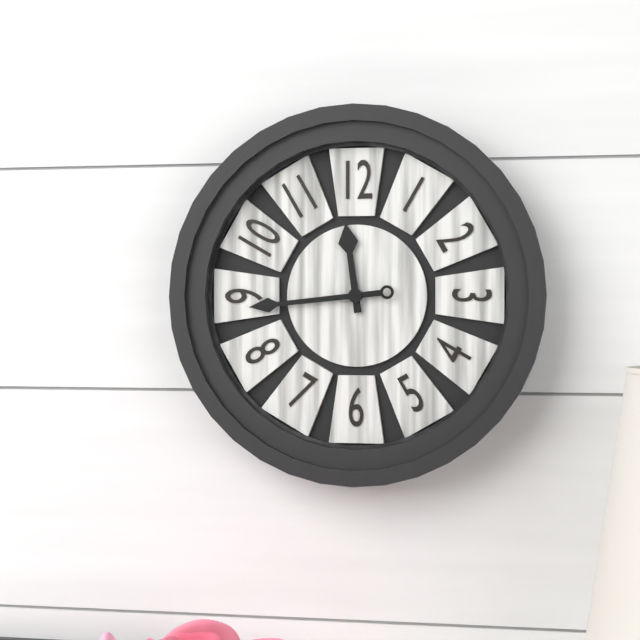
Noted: **11:44**
